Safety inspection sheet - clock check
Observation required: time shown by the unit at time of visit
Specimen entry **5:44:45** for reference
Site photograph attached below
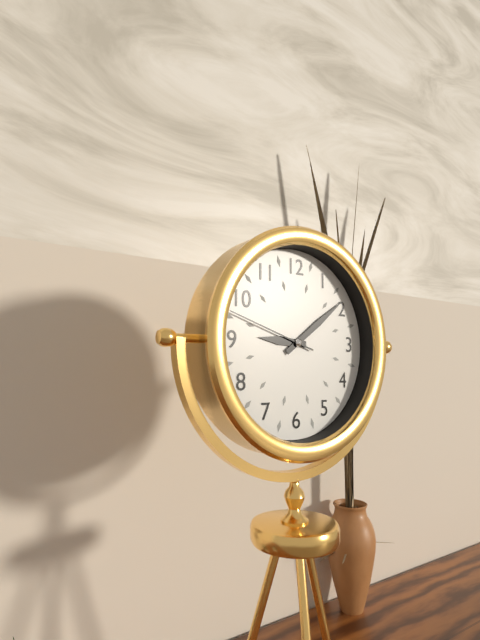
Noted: **9:09:48**
